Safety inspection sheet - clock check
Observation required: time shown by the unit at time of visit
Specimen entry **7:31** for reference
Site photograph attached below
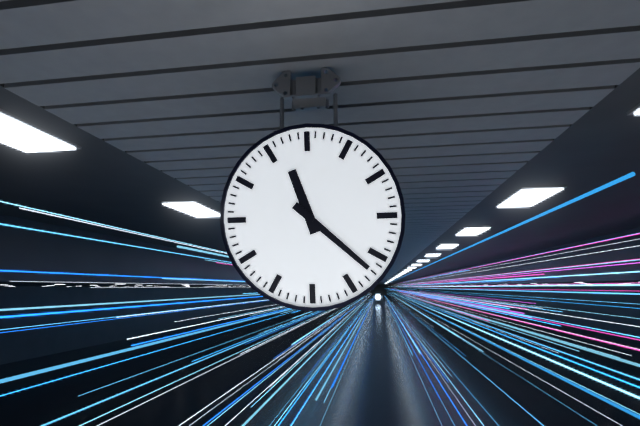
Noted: **11:22**
